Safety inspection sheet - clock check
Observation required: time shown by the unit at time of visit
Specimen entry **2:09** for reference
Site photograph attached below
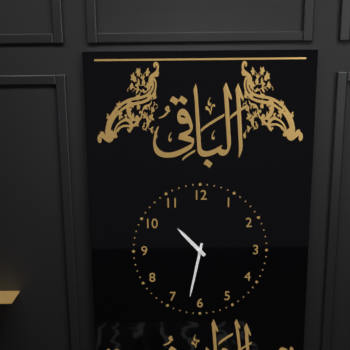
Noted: **10:32**
